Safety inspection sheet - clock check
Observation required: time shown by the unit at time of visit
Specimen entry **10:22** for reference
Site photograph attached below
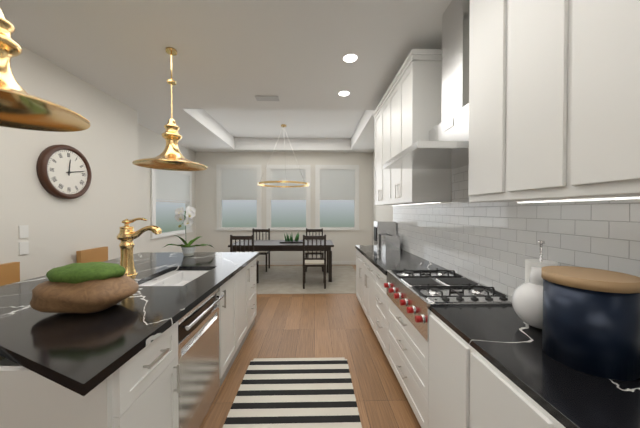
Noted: **12:13**
